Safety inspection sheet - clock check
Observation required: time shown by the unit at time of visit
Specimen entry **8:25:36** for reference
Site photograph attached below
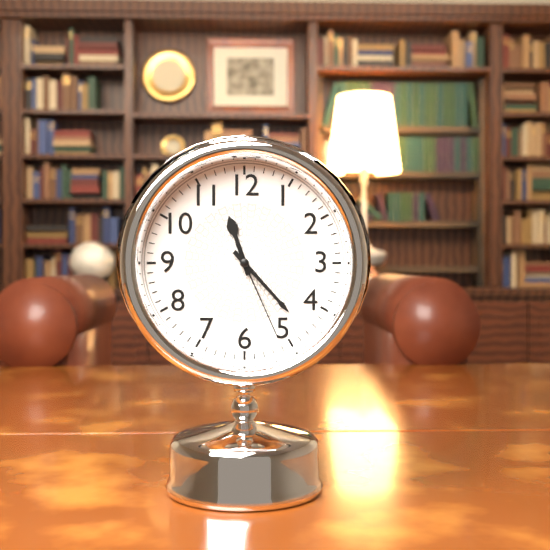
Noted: **11:23:26**
